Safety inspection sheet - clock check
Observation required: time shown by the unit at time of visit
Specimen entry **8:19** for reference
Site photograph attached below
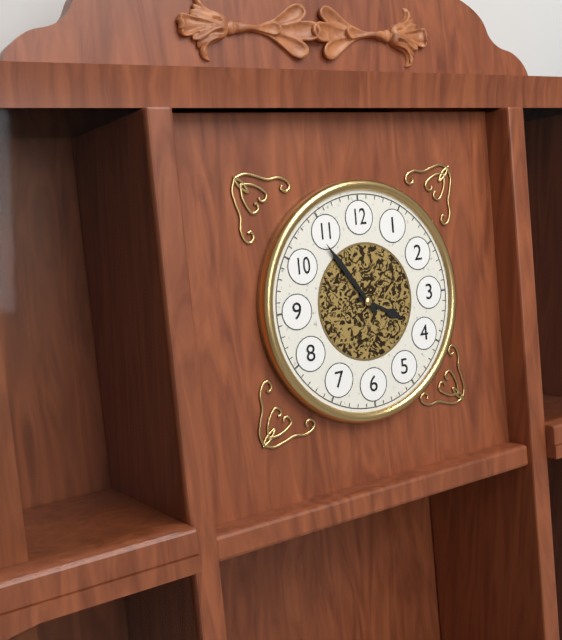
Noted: **3:54**
